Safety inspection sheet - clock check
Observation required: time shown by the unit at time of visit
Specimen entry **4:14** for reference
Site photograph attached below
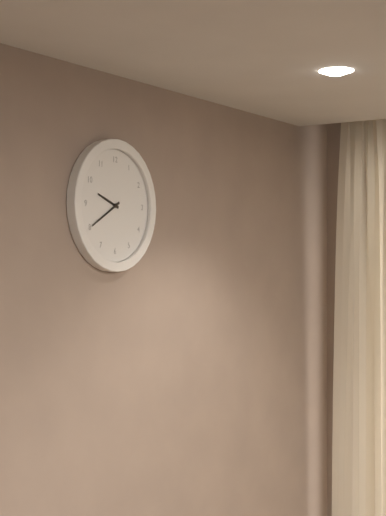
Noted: **9:40**
